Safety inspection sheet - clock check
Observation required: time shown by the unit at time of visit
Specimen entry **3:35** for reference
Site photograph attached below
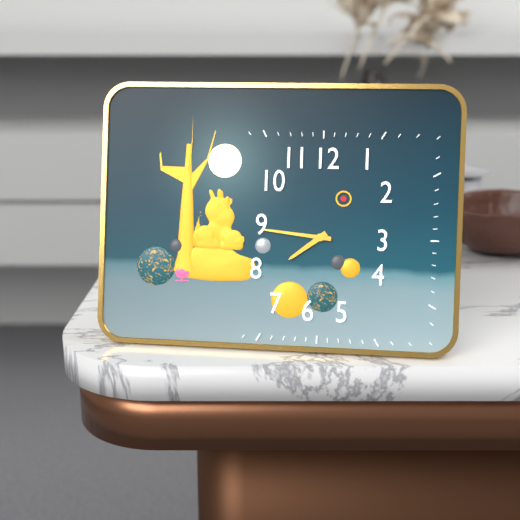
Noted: **7:46**
